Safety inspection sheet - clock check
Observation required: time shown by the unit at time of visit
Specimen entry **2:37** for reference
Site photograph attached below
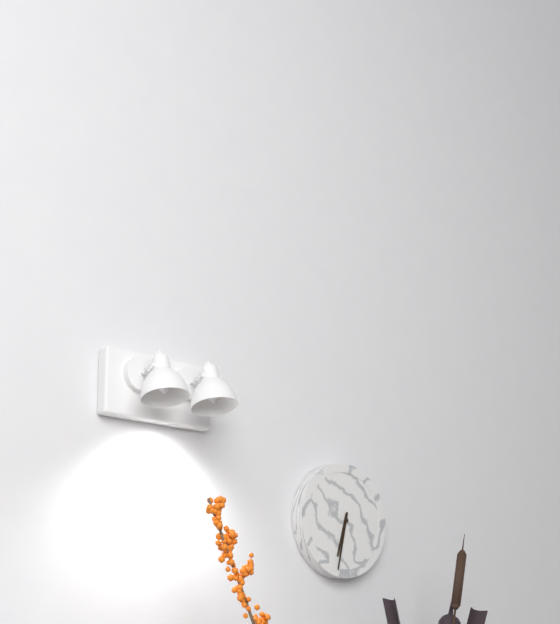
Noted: **6:32**
